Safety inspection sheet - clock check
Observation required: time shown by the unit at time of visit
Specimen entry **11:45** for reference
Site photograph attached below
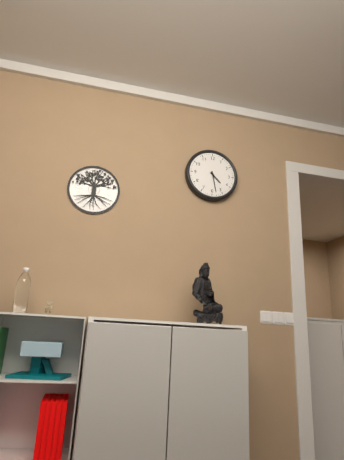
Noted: **4:28**
